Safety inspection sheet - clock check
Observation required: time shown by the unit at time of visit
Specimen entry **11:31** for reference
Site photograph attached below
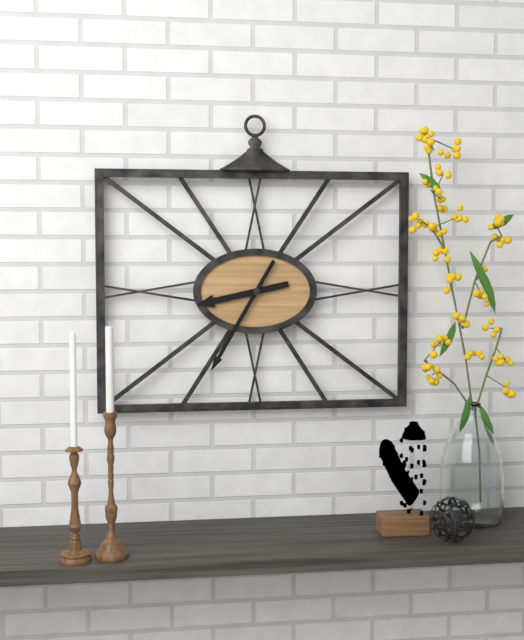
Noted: **8:35**
